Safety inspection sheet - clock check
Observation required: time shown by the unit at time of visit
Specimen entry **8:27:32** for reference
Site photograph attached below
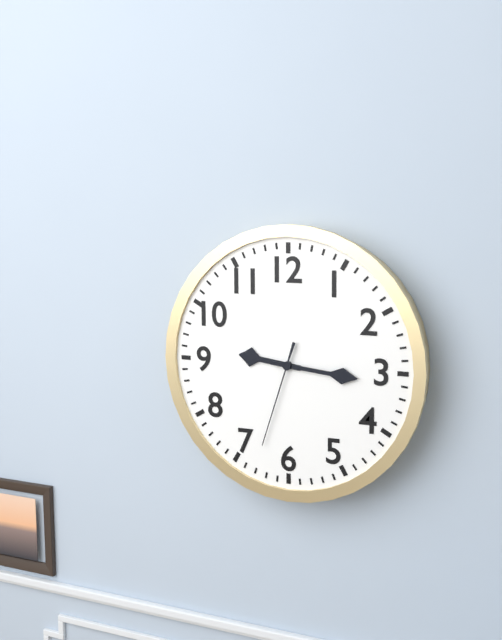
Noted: **9:16:33**
